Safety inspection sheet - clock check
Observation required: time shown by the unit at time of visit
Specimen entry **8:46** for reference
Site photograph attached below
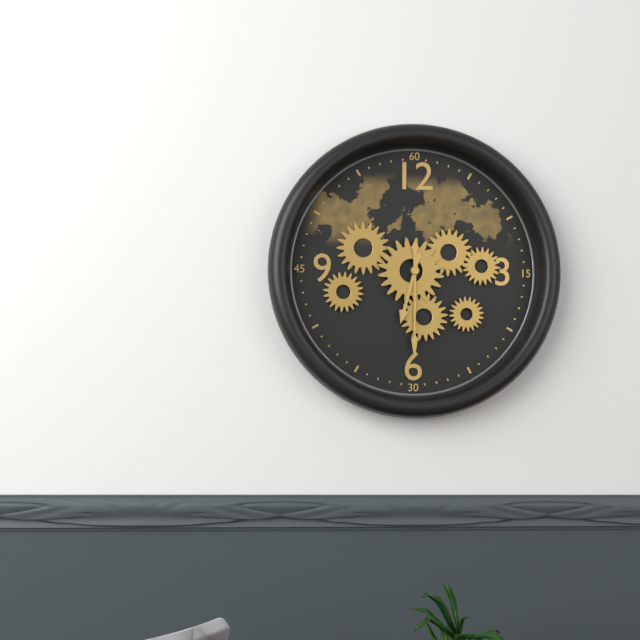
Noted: **6:30**
